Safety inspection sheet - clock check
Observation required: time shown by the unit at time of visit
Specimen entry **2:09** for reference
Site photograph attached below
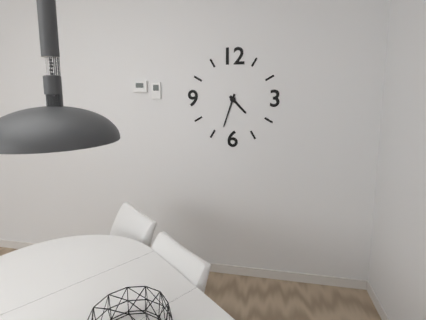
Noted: **4:33**
